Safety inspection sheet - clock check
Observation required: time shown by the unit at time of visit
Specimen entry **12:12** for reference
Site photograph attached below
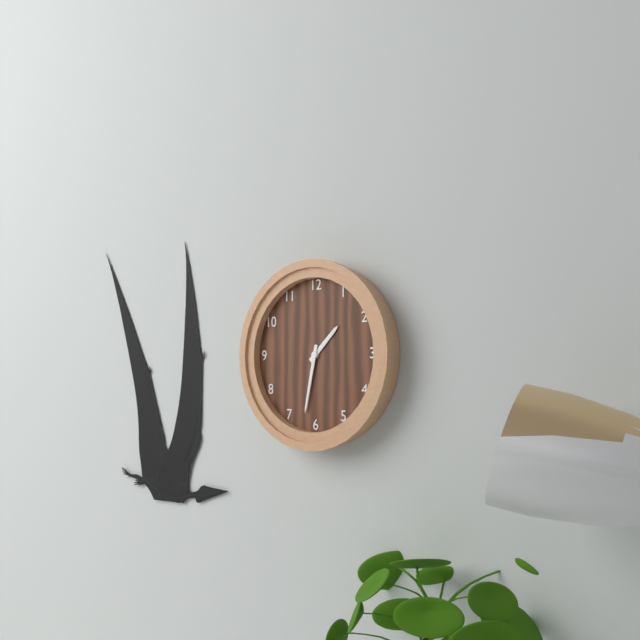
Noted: **1:32**
